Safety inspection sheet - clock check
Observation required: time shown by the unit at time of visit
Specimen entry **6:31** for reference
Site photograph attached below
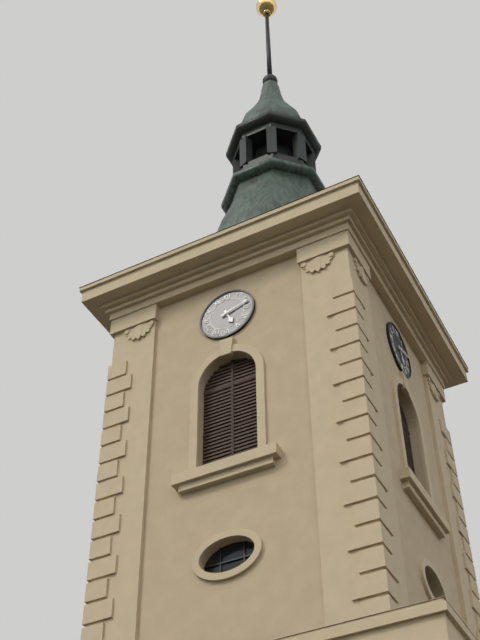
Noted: **5:12**
